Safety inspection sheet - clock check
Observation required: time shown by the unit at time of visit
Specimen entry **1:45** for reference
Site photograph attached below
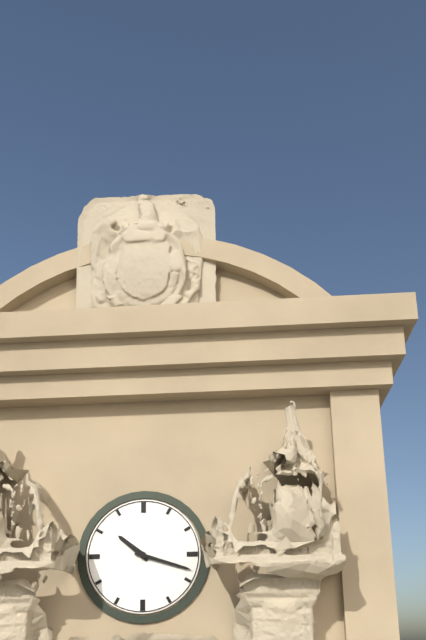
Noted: **10:18**
